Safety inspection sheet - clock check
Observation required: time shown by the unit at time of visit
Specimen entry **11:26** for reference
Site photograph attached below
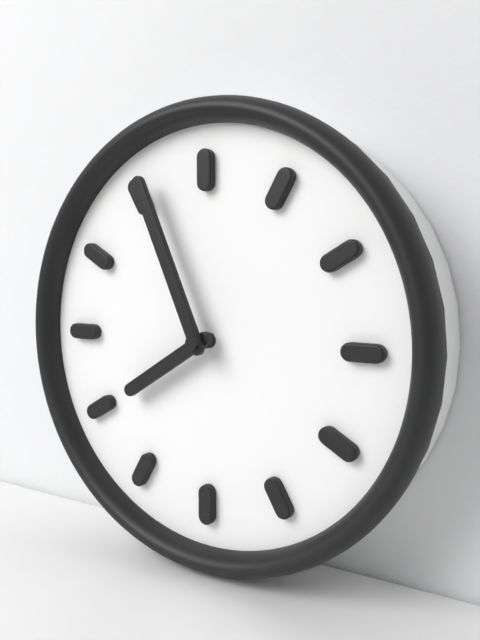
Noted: **7:56**
